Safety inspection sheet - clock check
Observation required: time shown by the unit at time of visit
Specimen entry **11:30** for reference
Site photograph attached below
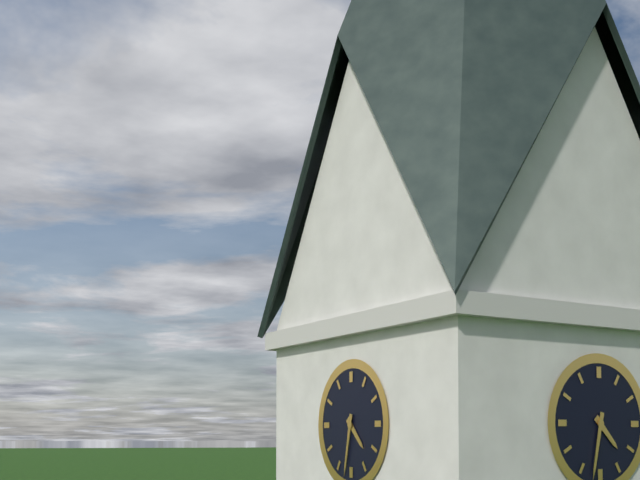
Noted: **4:32**
